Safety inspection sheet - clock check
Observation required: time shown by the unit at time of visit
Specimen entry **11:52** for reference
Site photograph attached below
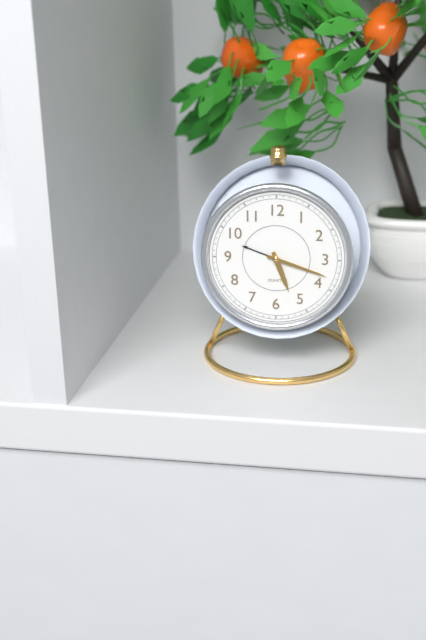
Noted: **5:18**
